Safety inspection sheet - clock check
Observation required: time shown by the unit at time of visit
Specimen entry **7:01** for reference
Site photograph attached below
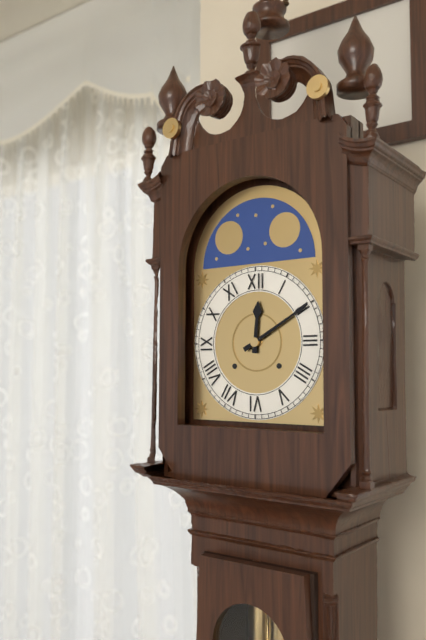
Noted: **12:10**
